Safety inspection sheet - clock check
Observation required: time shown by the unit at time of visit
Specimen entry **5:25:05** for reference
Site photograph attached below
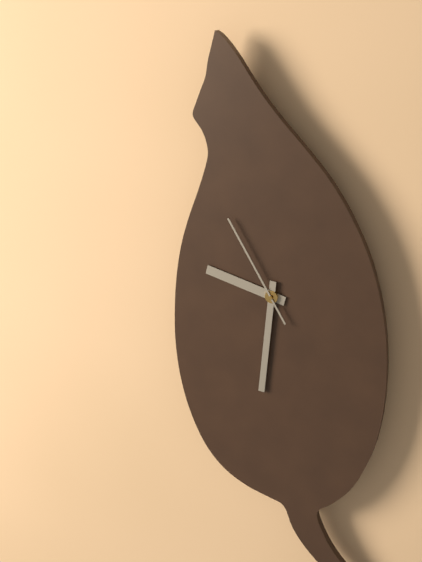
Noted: **9:31:55**
